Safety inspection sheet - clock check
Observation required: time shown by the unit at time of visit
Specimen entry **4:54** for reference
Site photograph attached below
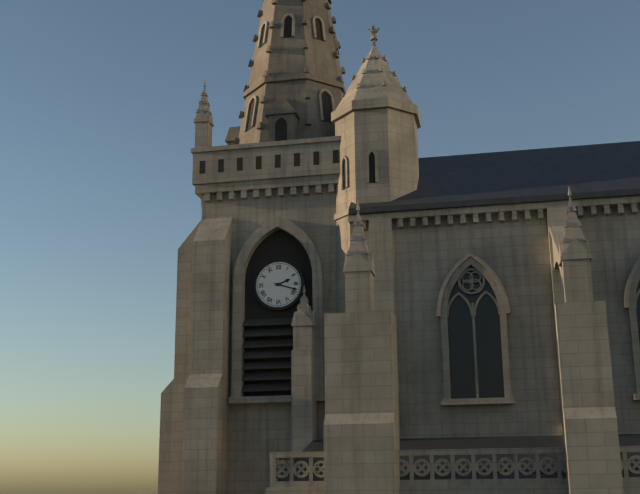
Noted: **2:18**
